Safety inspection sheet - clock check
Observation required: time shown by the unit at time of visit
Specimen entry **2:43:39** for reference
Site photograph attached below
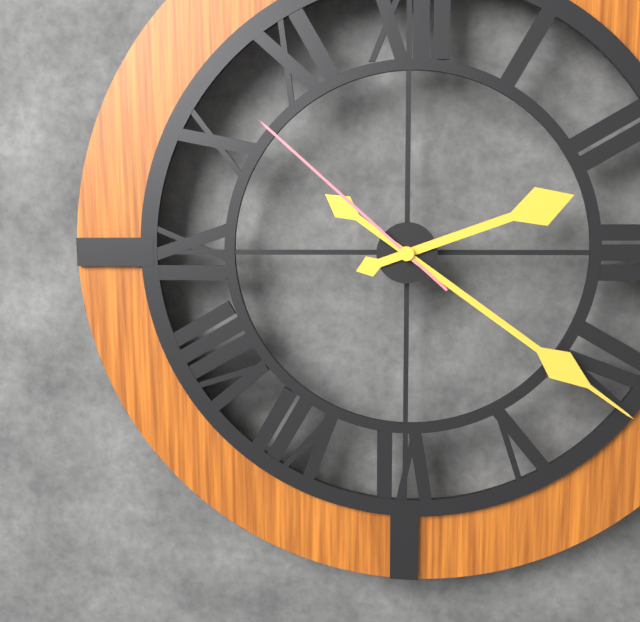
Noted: **2:21:52**
